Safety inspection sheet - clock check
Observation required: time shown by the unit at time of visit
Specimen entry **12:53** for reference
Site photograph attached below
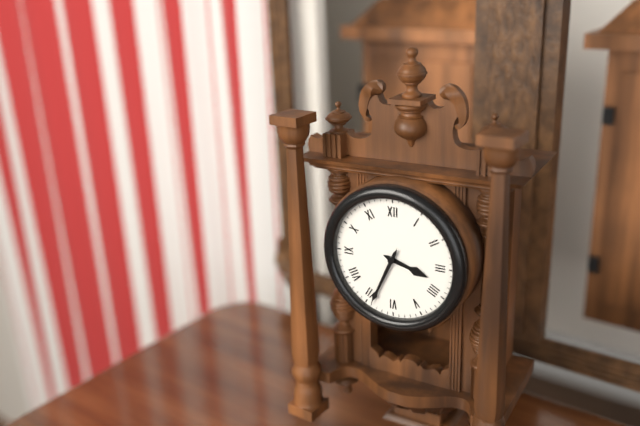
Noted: **3:34**
